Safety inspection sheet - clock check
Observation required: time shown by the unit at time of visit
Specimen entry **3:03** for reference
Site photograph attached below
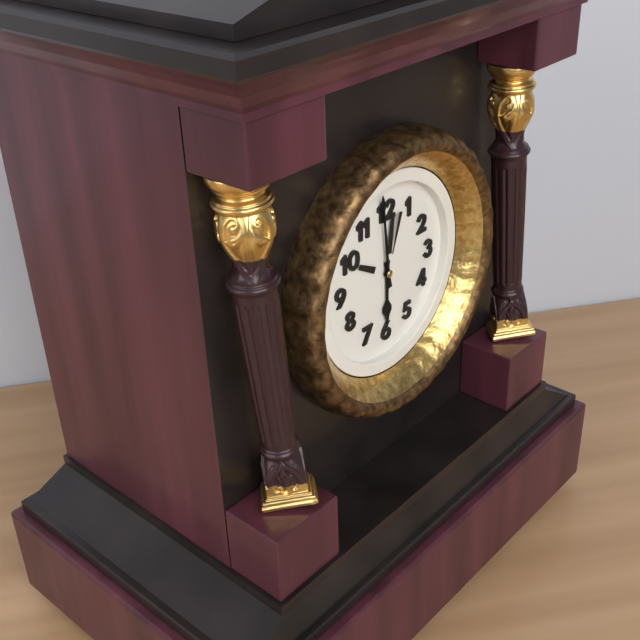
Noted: **5:59**
